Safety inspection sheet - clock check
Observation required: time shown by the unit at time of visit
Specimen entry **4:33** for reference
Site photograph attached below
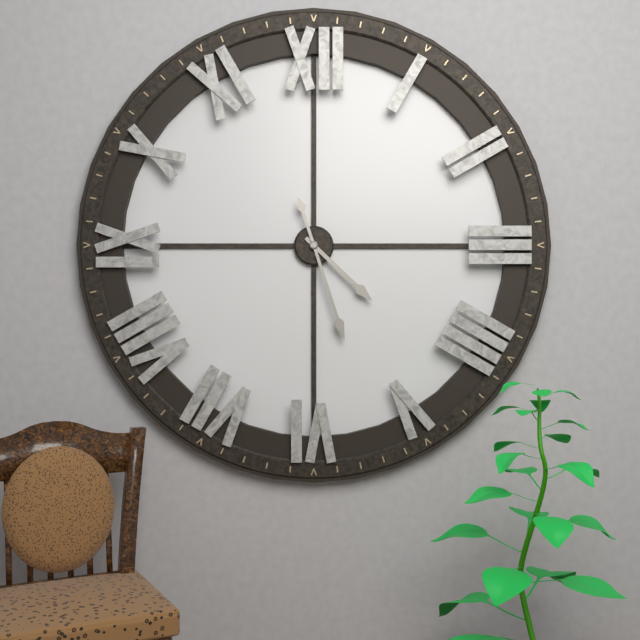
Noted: **4:27**
